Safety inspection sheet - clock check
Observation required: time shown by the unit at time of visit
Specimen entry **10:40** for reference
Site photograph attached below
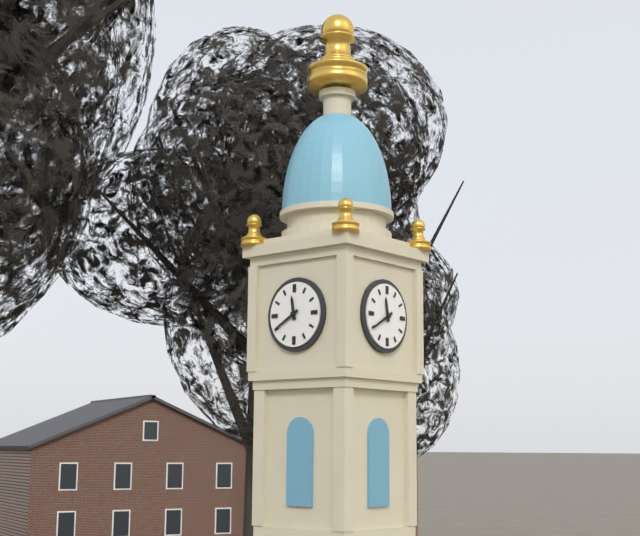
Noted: **11:40**
